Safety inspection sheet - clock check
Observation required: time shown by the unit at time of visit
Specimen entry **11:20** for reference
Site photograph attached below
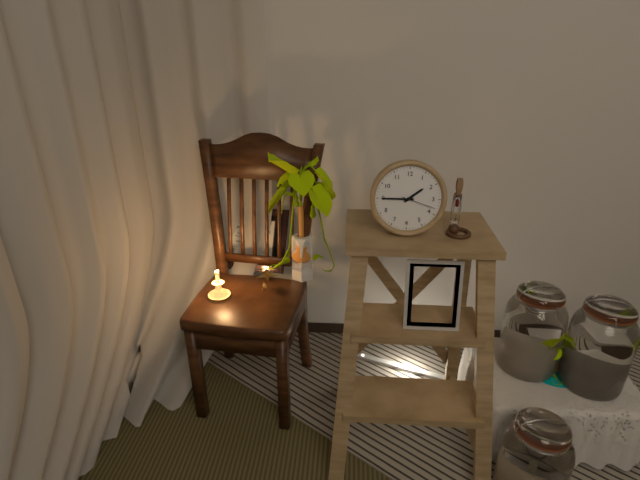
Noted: **1:45**
